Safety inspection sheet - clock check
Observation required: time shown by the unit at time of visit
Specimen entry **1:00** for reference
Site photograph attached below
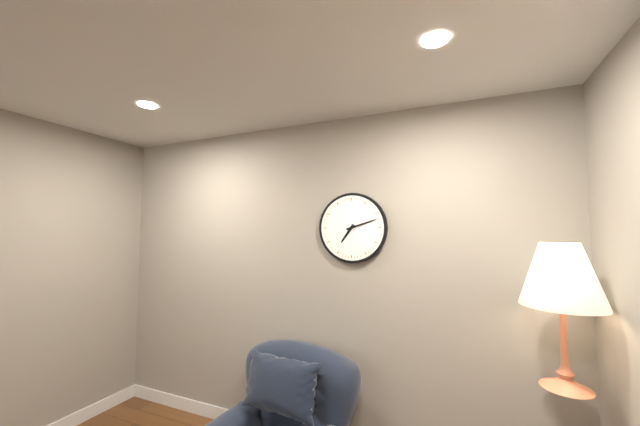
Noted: **7:12**
